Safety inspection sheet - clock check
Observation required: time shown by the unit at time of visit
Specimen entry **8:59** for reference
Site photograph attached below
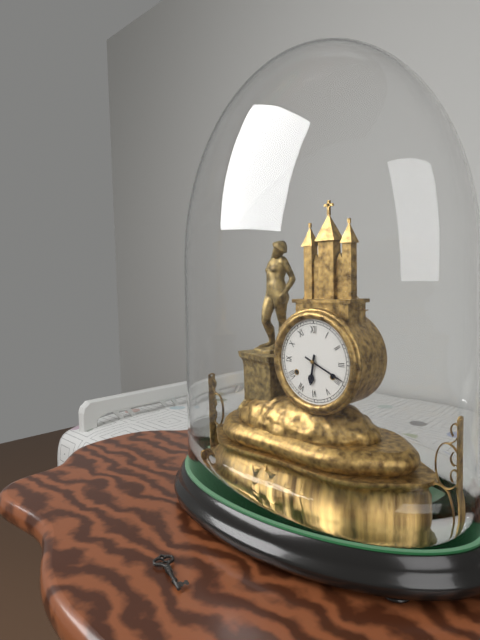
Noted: **6:19**
